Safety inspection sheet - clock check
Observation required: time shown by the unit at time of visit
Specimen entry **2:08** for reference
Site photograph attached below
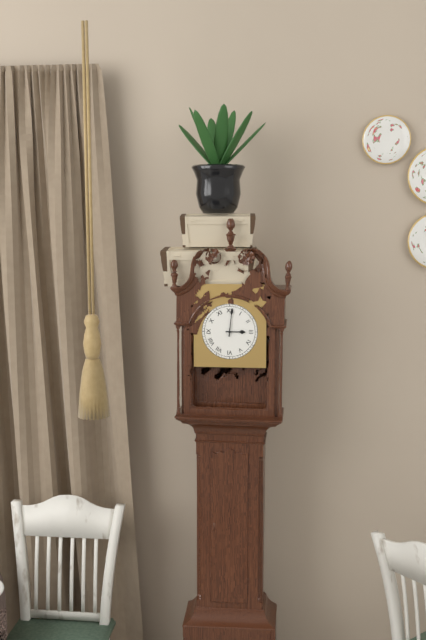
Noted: **3:01**
